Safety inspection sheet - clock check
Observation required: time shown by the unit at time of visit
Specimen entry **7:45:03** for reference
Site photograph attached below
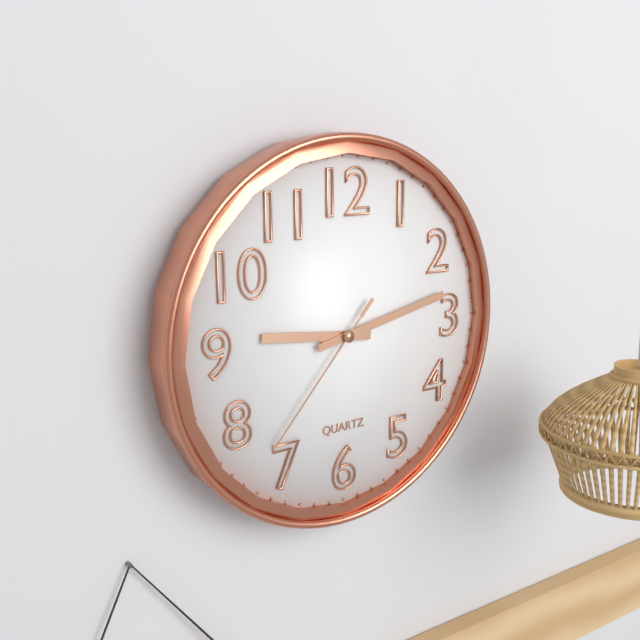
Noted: **9:13:37**
